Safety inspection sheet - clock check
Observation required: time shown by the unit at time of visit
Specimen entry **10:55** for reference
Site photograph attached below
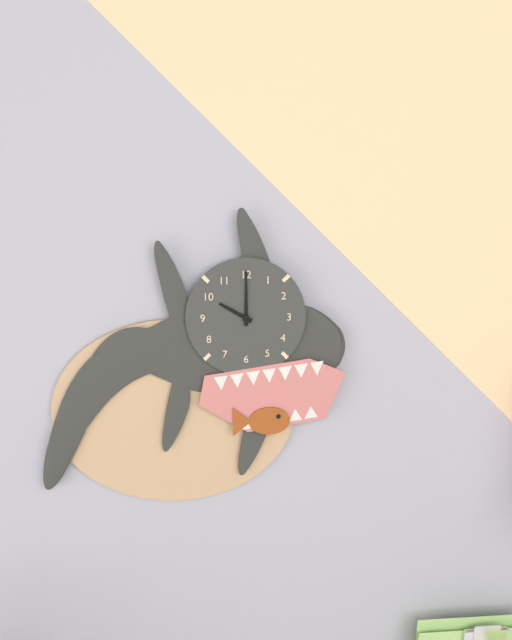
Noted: **10:00**
